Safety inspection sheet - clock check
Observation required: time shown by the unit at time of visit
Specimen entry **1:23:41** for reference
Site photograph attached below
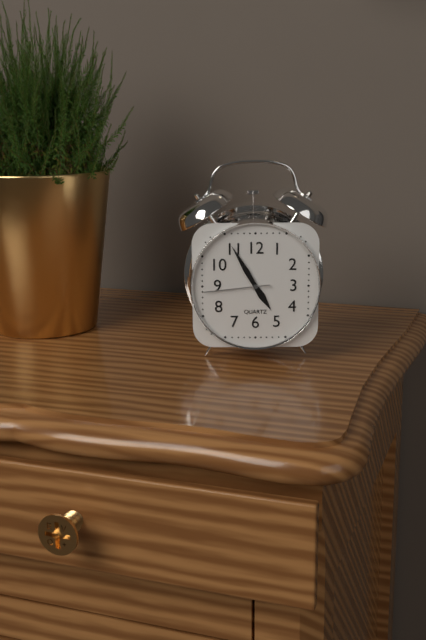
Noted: **4:55:44**
